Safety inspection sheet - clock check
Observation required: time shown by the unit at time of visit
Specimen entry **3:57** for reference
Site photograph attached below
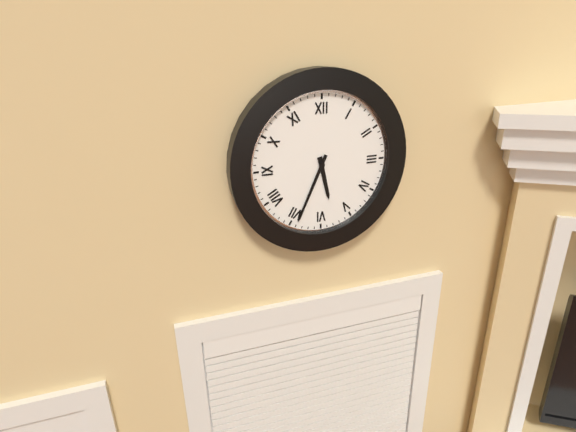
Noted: **5:34**
